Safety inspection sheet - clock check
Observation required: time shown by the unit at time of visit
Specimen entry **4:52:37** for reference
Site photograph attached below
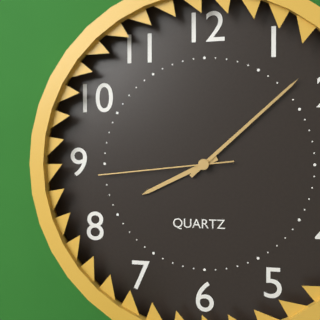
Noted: **8:08:44**
